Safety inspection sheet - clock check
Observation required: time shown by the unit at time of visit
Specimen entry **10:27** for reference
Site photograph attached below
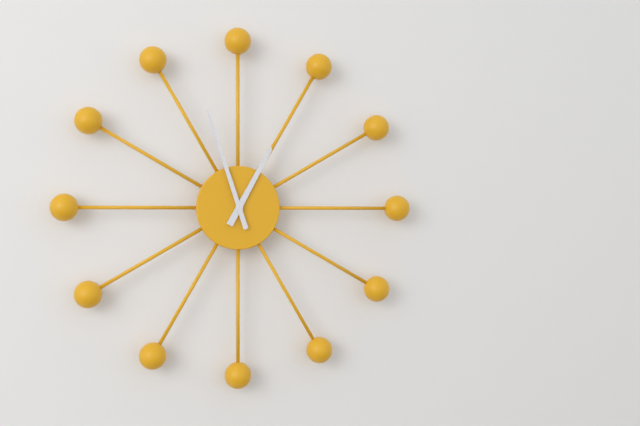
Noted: **12:57**
